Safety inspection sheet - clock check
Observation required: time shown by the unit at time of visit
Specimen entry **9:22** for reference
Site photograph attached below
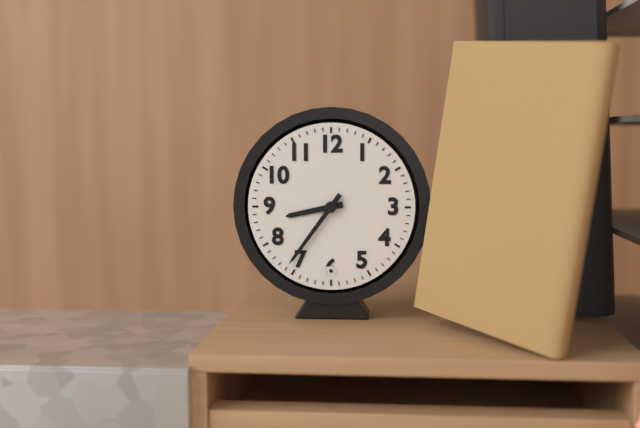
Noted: **8:36**
